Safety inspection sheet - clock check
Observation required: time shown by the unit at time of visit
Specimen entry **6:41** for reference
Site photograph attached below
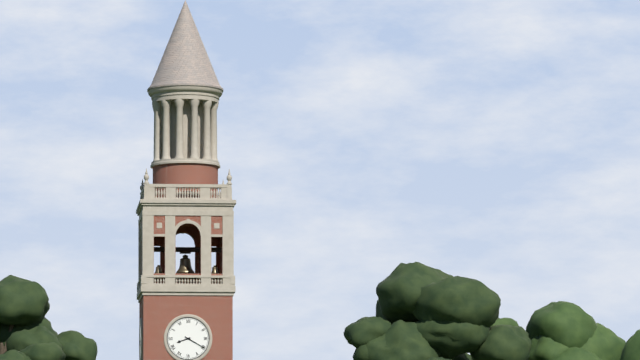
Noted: **8:20**
